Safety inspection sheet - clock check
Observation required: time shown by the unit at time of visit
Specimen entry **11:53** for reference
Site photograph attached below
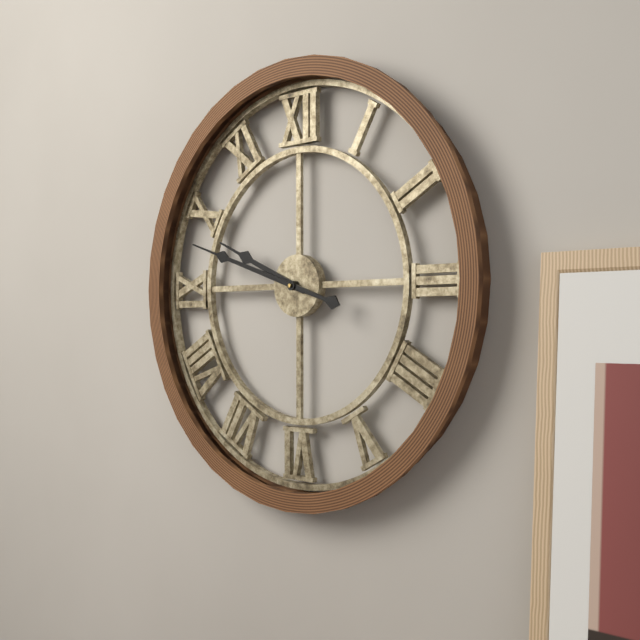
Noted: **9:48**
